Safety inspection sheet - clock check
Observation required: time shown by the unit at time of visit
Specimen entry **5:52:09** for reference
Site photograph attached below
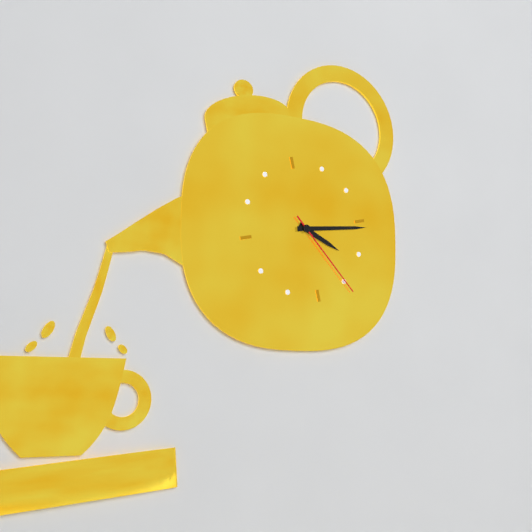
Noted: **4:16:25**
